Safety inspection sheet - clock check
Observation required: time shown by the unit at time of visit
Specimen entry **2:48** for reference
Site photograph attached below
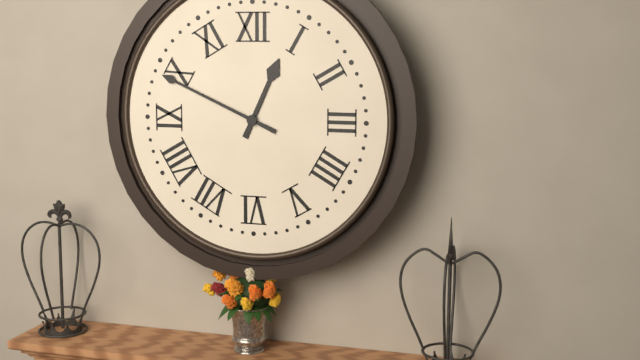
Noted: **12:49**
